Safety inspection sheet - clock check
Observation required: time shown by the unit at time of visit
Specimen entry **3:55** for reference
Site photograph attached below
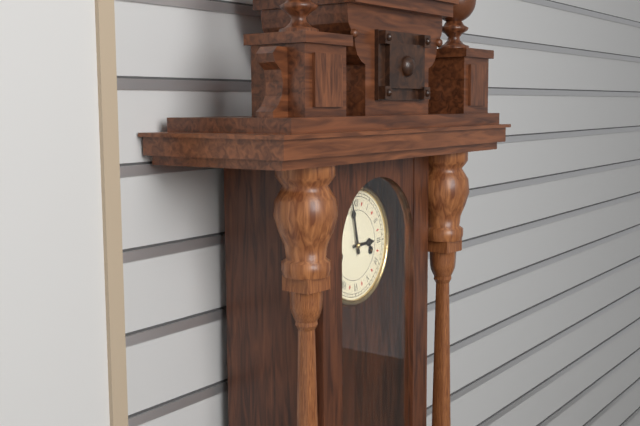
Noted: **2:58**
